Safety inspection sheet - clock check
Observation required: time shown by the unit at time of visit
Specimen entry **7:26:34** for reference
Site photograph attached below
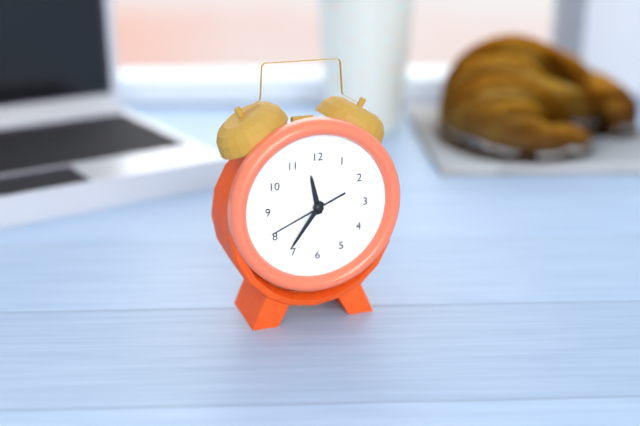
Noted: **11:36:41**
